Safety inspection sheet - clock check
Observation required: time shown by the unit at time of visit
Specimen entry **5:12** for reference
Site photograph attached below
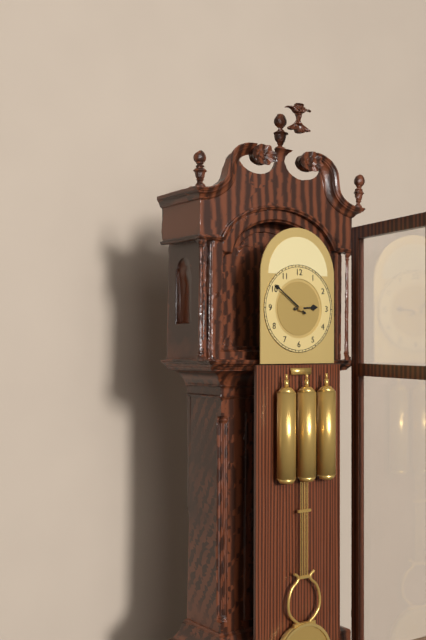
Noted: **2:51**
